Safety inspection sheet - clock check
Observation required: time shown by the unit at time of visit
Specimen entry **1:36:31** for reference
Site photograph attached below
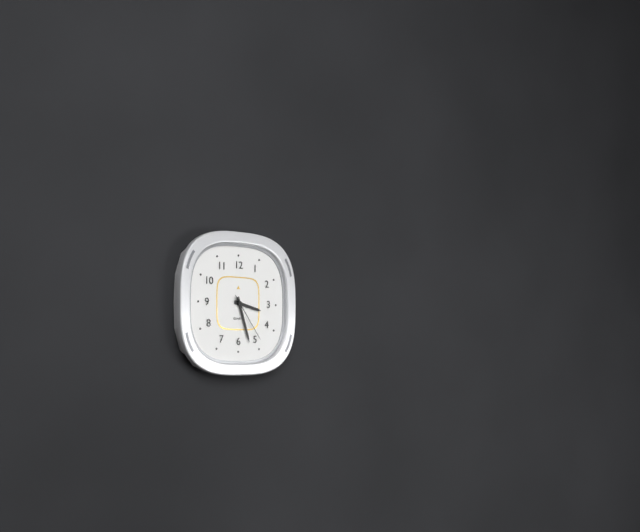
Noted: **3:27:24**
